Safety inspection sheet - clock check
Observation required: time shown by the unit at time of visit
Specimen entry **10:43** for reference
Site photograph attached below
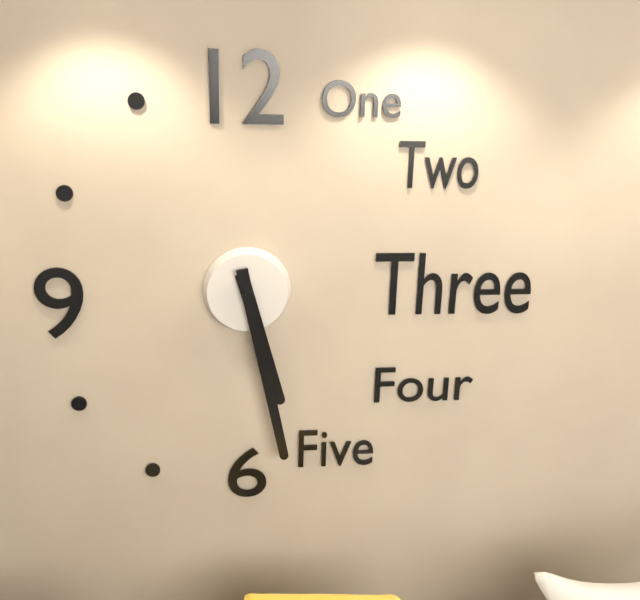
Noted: **5:28**
